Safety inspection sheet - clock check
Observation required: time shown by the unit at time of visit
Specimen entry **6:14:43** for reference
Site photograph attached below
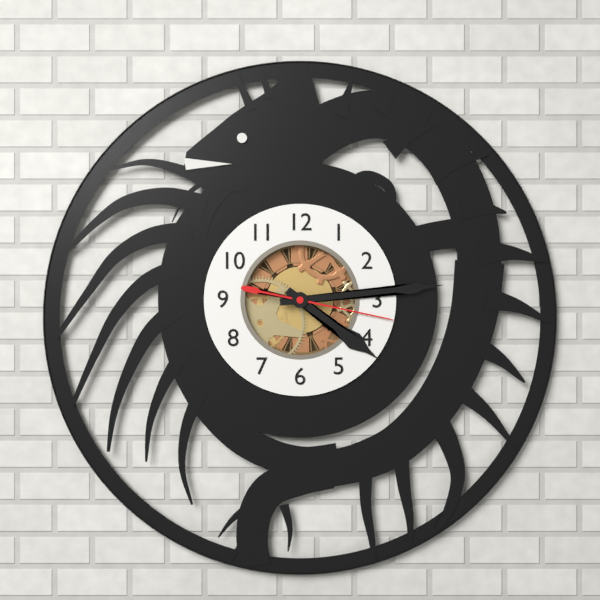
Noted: **4:14:17**
